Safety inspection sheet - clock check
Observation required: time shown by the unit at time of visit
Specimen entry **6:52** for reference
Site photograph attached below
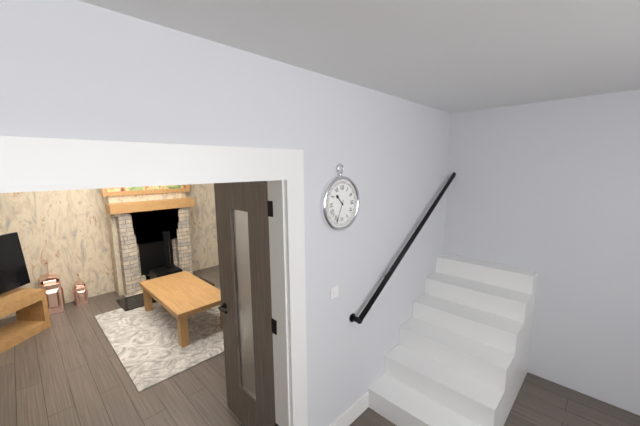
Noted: **10:34**
